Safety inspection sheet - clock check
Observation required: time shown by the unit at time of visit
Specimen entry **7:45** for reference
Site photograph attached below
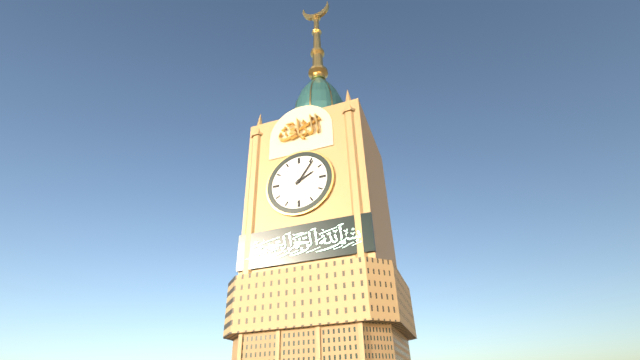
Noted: **2:06**
